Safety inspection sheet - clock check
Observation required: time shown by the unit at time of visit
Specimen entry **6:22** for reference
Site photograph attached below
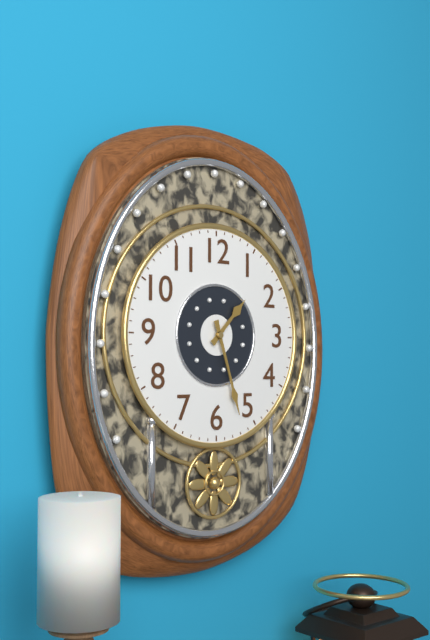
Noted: **1:27**
